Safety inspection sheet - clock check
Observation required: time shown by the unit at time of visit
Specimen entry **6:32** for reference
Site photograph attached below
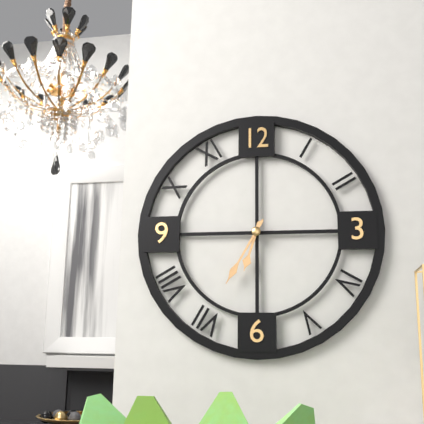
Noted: **6:35**
